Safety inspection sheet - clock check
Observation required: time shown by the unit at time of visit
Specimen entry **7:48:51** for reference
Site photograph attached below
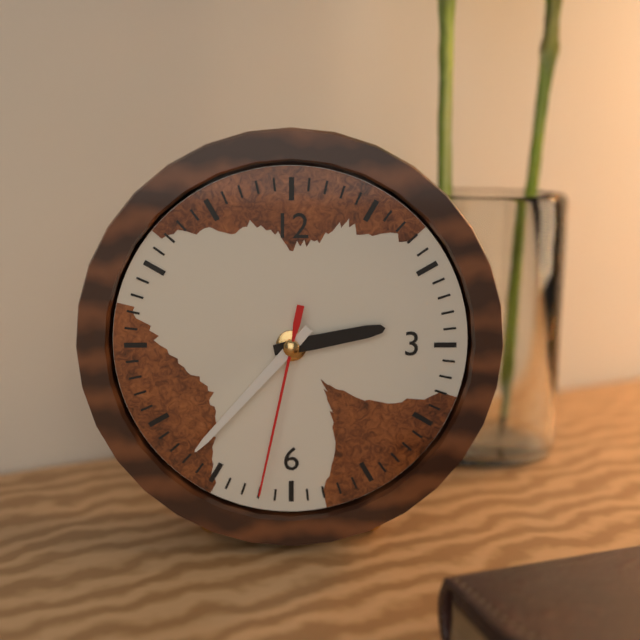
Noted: **2:37:32**
